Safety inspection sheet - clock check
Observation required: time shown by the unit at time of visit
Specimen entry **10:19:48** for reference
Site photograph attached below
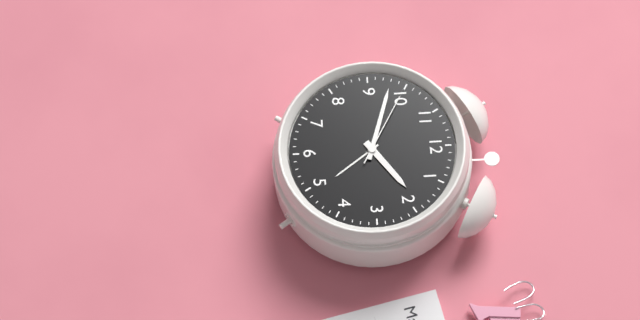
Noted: **1:48:50**
